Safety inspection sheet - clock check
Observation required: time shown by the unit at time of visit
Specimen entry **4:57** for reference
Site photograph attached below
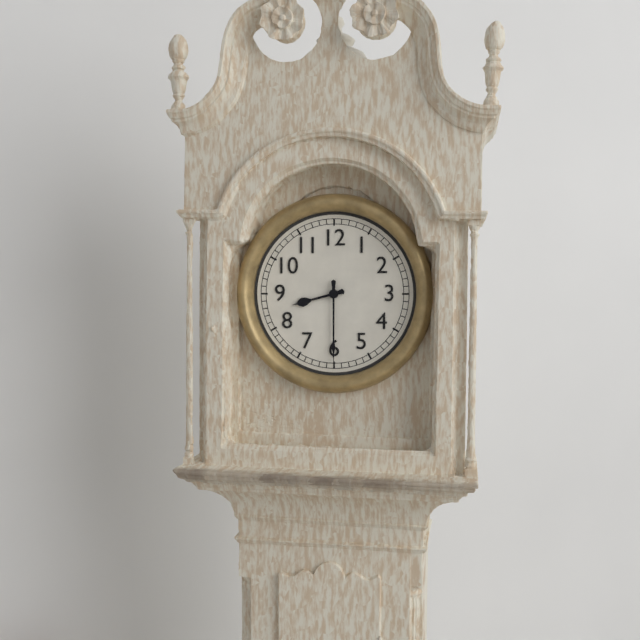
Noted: **8:30**
